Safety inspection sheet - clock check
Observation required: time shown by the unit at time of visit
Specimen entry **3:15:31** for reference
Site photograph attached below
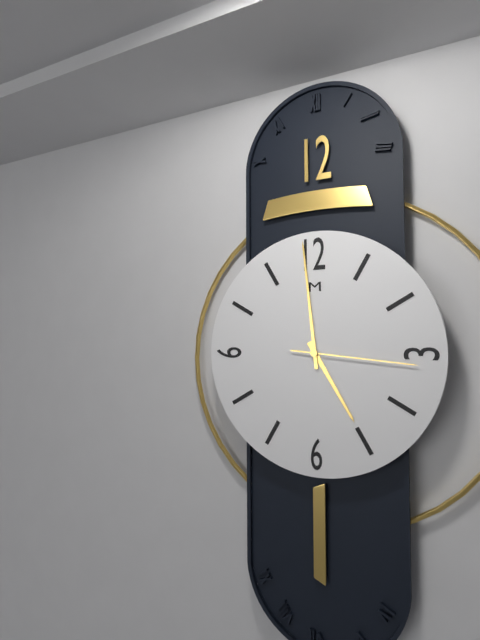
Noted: **4:59:16**
